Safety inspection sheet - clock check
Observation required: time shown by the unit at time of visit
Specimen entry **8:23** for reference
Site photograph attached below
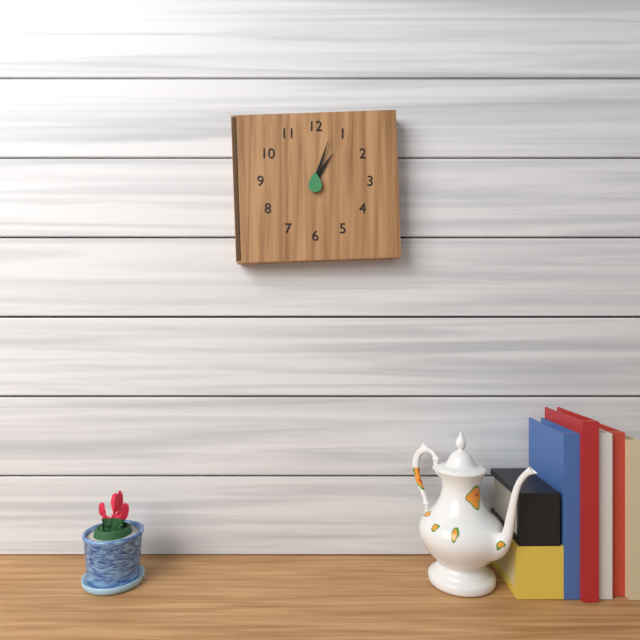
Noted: **1:03**
